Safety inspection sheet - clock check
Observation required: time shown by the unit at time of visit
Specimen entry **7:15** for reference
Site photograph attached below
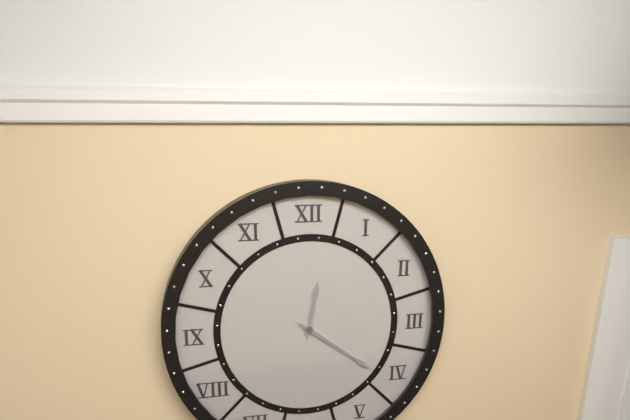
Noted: **12:21**
